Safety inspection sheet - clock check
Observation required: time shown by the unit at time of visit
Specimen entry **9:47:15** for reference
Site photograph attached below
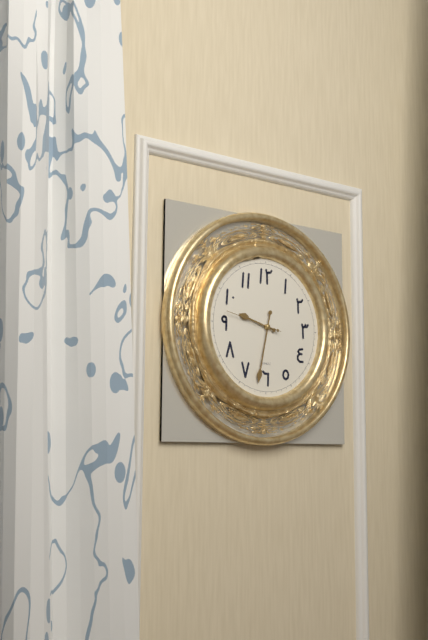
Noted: **9:32:47**
